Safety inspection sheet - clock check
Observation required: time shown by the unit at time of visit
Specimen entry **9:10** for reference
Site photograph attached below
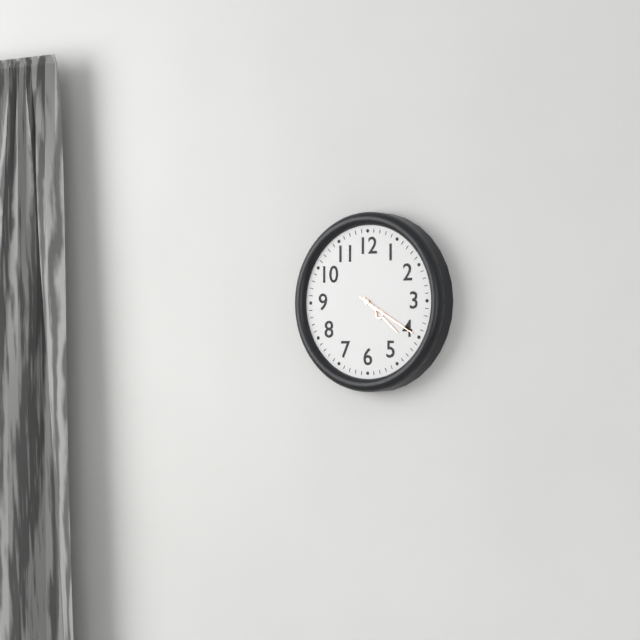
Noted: **4:20**
